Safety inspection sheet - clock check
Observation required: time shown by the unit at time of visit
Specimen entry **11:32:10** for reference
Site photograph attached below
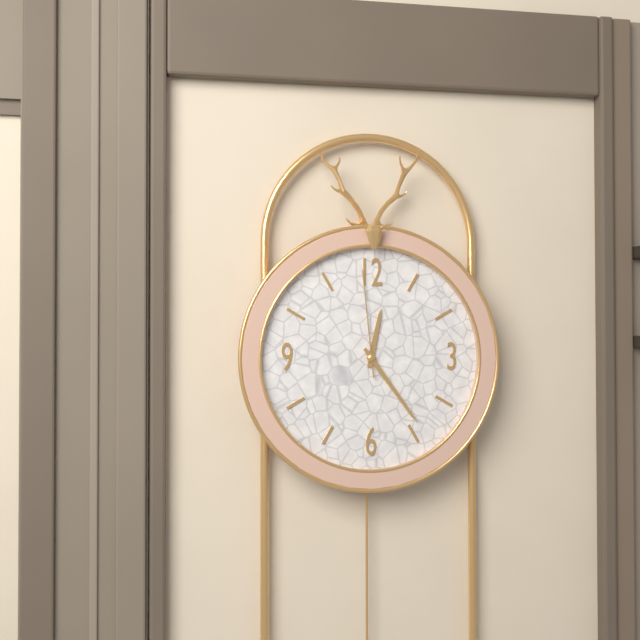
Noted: **12:24:59**
